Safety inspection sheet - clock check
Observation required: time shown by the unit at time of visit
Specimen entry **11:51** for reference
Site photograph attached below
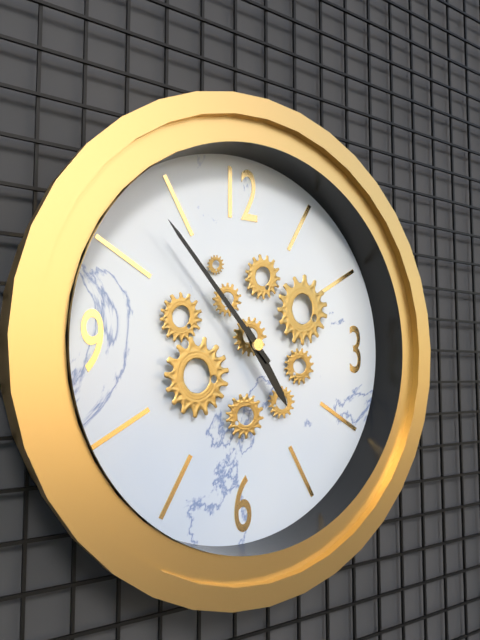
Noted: **4:53**
